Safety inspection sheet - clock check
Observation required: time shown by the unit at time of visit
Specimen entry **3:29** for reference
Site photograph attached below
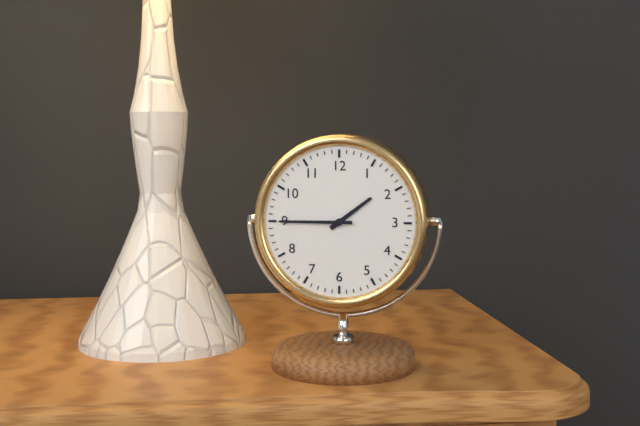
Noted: **1:45**
